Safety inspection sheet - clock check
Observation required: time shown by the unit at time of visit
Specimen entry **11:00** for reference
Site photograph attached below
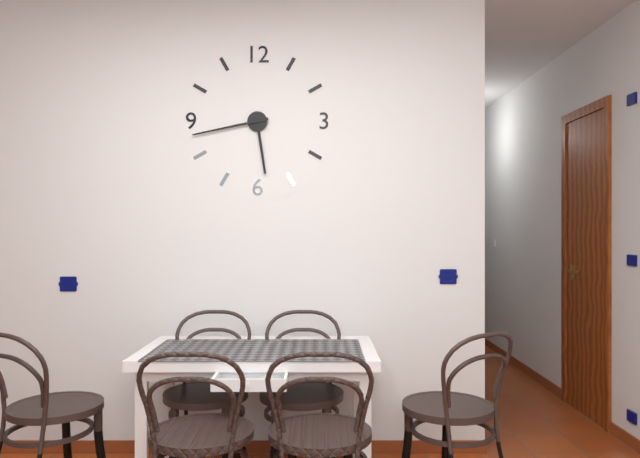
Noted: **5:43**
